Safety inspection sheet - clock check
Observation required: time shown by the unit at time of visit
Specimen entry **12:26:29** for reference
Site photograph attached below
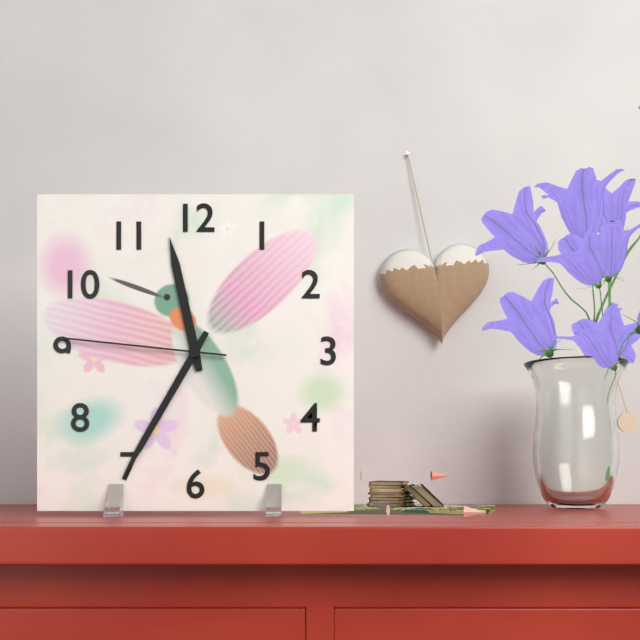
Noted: **11:35:46**
